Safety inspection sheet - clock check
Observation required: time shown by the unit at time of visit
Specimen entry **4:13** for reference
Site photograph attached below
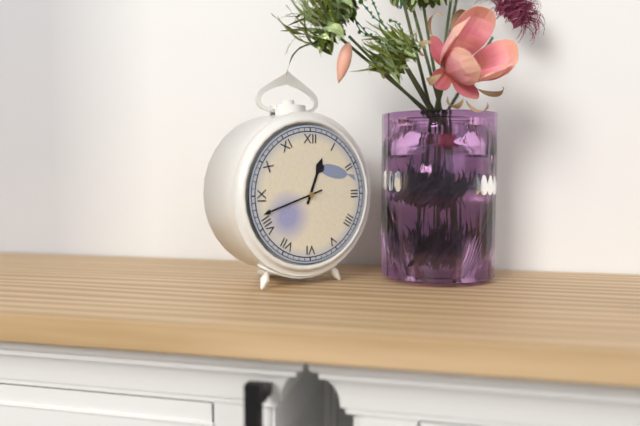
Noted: **12:42**
